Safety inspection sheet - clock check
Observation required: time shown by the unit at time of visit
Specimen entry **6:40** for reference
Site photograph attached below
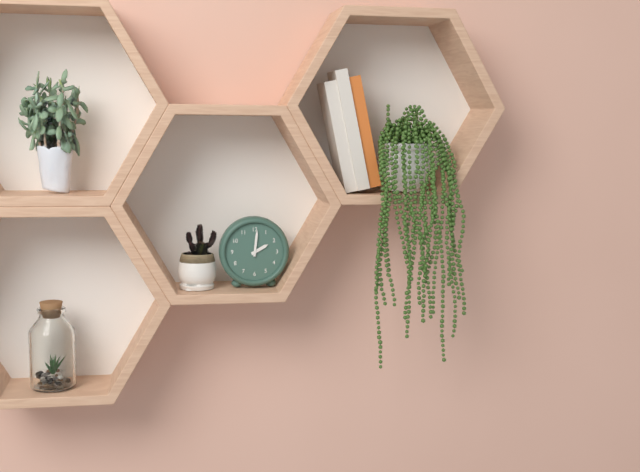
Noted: **2:01**
